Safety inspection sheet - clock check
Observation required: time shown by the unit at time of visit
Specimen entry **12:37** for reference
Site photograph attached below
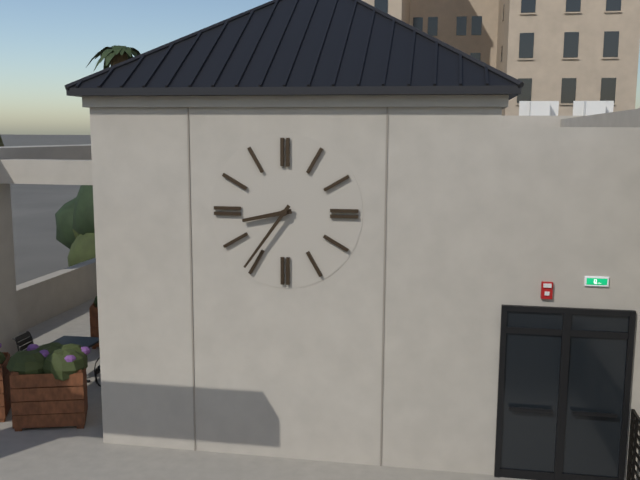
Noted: **8:36**
